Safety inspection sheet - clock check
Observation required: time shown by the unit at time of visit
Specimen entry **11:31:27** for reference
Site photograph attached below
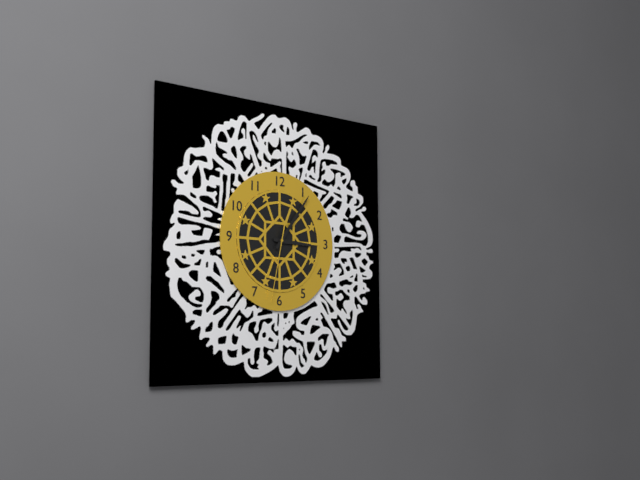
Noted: **3:06:32**
